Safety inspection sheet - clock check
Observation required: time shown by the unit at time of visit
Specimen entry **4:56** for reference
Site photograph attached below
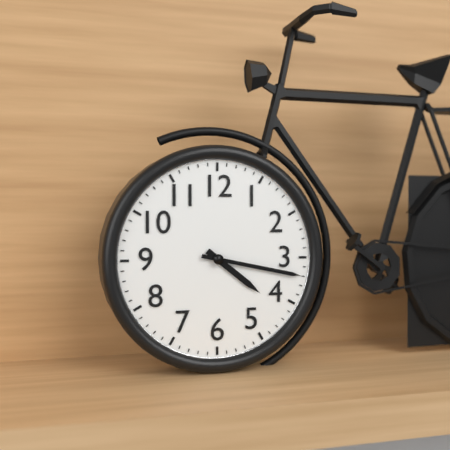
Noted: **4:17**
